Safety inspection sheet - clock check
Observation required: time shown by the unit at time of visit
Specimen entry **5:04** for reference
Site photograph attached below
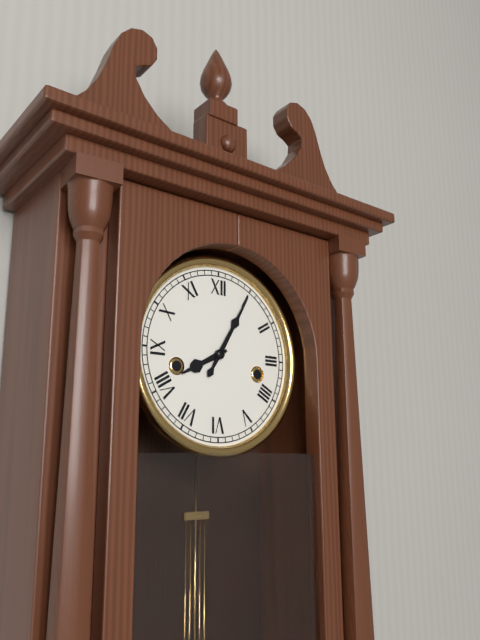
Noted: **8:05**
